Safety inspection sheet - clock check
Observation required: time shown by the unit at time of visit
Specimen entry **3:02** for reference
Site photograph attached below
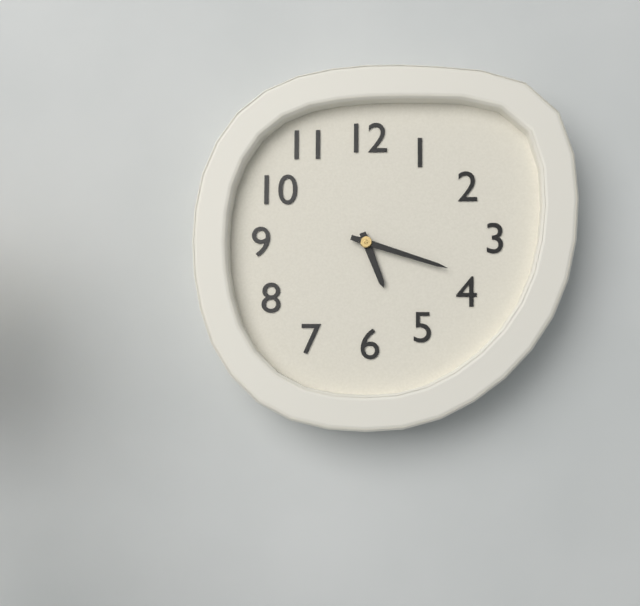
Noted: **5:18**
